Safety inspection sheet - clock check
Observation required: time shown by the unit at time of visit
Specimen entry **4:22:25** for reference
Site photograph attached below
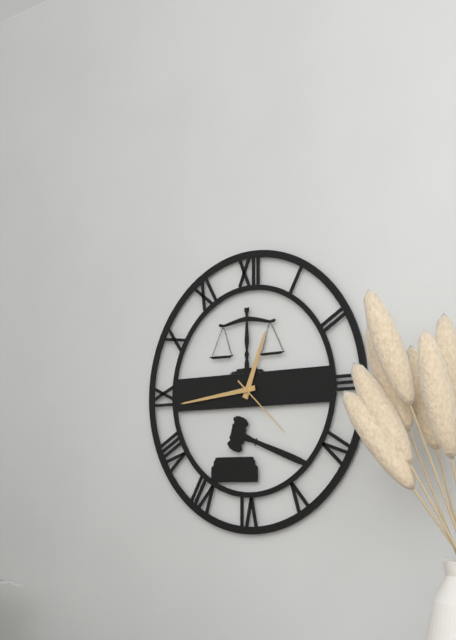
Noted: **12:44:22**
